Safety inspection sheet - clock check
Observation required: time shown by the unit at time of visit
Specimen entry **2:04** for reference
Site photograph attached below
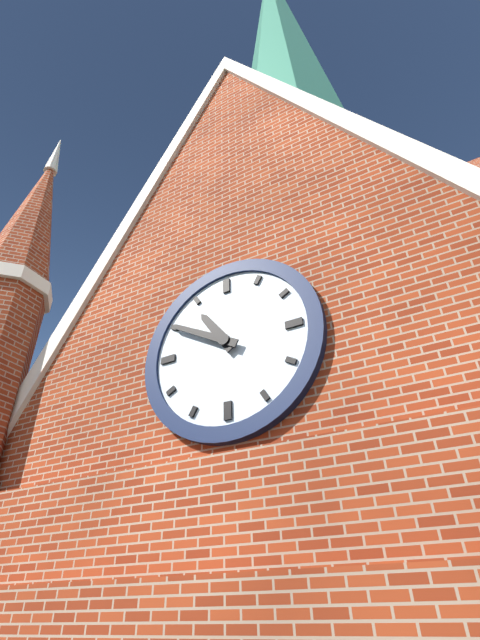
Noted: **10:50**
